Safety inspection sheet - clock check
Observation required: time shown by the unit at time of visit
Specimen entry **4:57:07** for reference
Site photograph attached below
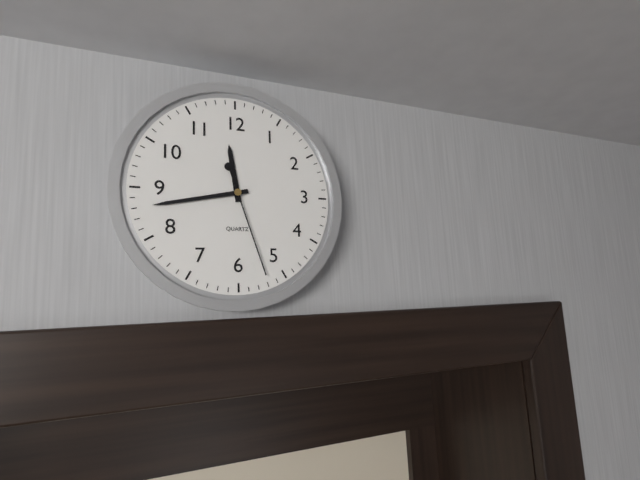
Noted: **11:43:27**
